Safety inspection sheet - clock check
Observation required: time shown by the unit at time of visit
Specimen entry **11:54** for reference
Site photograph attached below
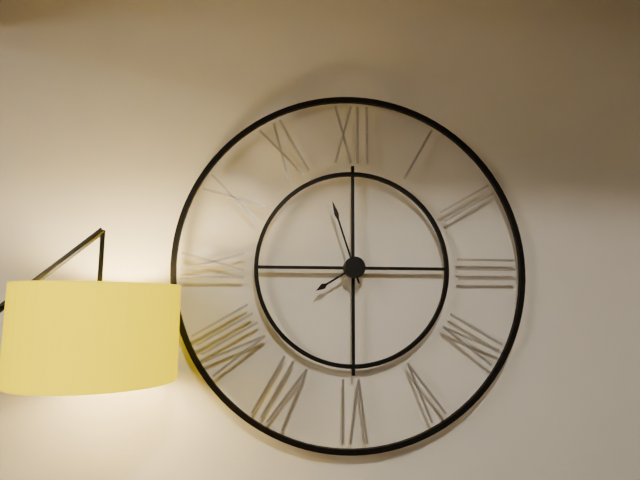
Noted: **7:57**
